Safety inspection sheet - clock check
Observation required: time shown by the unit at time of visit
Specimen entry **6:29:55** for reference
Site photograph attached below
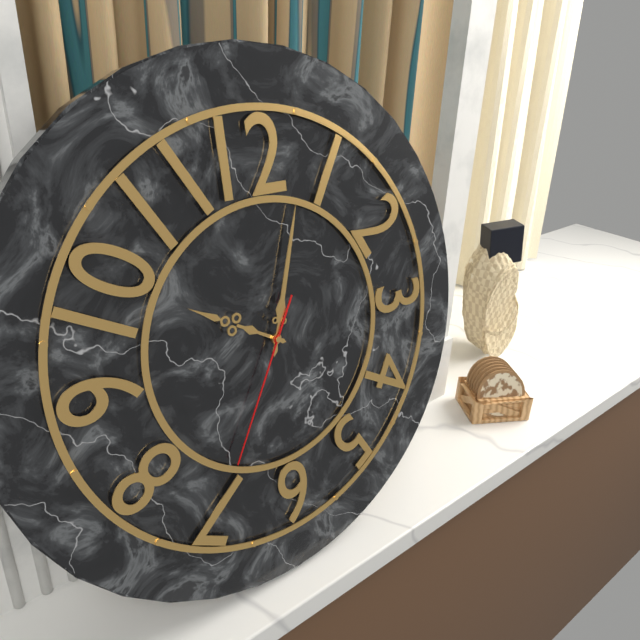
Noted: **10:03:35**
